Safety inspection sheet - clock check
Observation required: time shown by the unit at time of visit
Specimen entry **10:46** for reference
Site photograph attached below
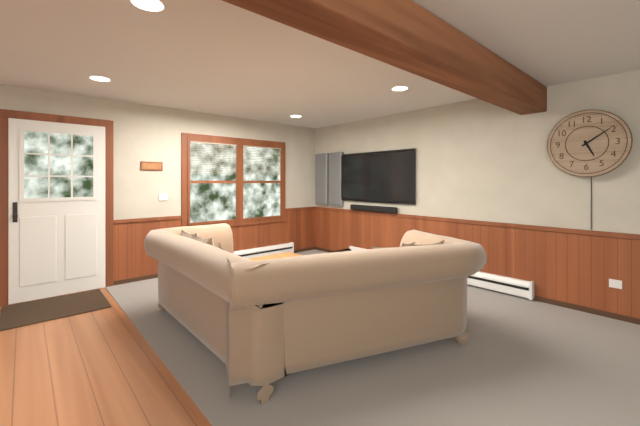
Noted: **5:09**
